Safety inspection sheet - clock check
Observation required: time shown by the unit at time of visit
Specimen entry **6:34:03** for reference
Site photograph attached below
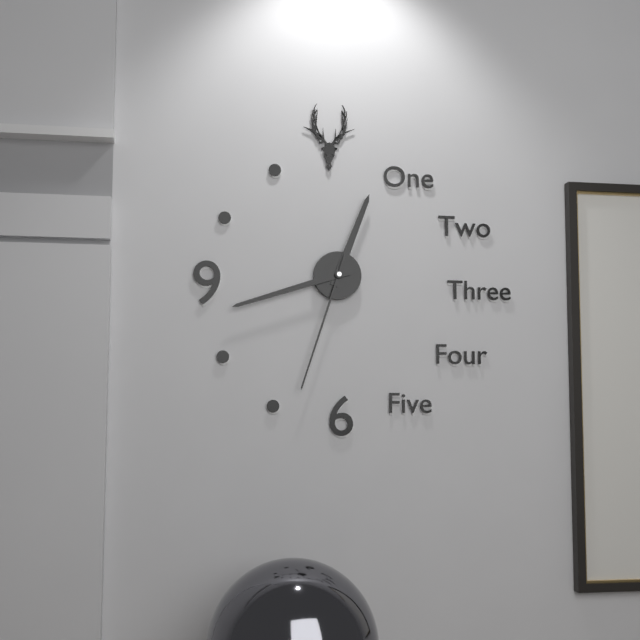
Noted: **12:42:33**
